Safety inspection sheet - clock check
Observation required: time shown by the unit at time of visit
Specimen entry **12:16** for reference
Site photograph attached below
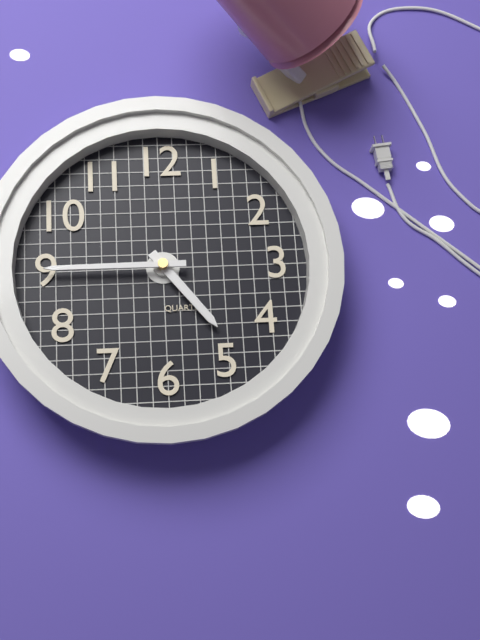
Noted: **4:45**
